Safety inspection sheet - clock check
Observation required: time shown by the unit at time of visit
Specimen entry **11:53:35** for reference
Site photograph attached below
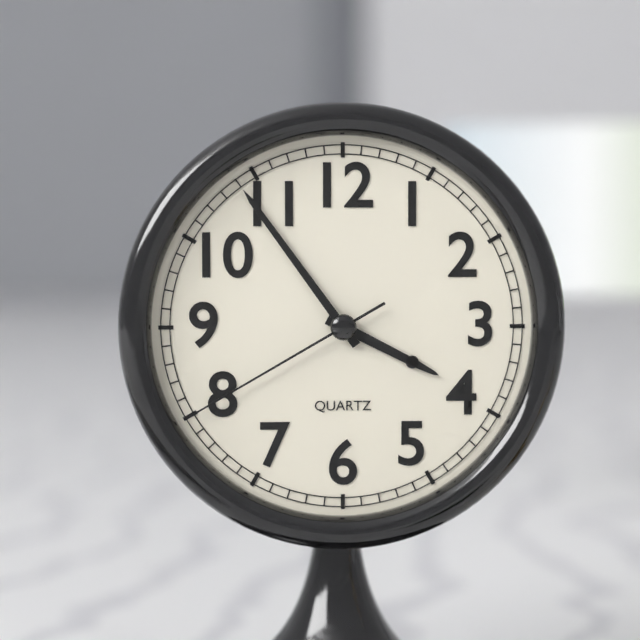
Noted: **3:54:40**
